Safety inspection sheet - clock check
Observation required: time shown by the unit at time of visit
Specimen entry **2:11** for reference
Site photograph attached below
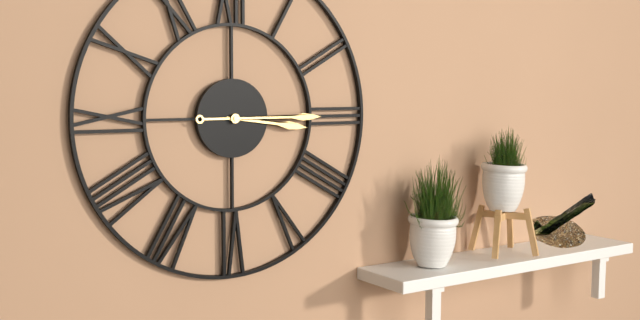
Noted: **3:15**
